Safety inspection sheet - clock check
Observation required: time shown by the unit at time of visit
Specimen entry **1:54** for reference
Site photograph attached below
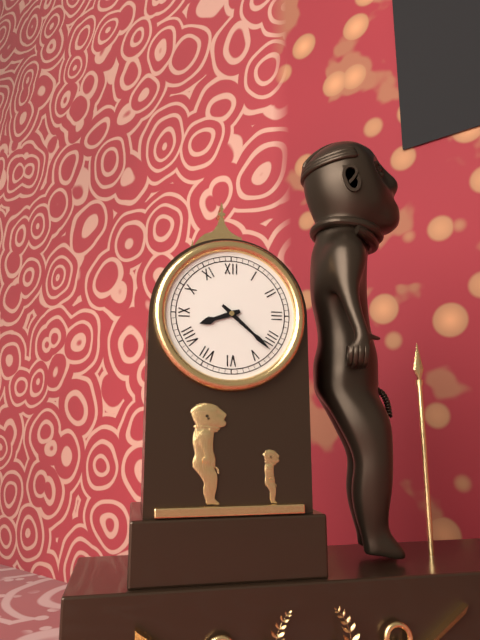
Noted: **8:22**
